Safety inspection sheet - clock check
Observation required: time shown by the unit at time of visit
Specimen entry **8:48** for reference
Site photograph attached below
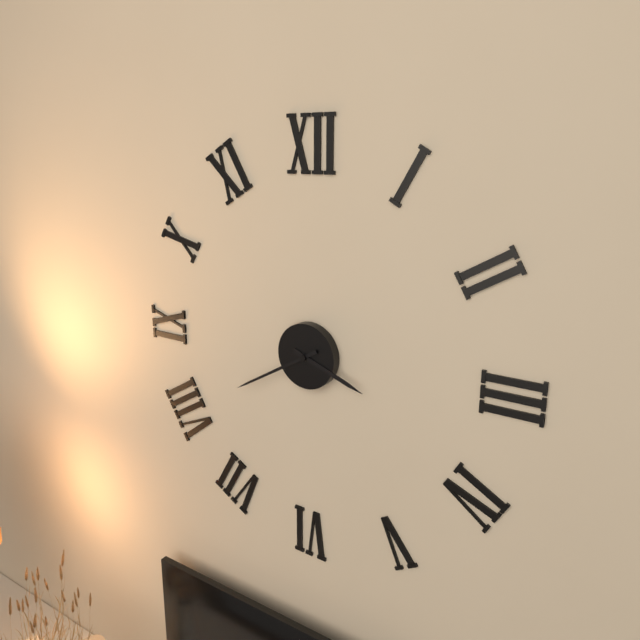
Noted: **3:40**
